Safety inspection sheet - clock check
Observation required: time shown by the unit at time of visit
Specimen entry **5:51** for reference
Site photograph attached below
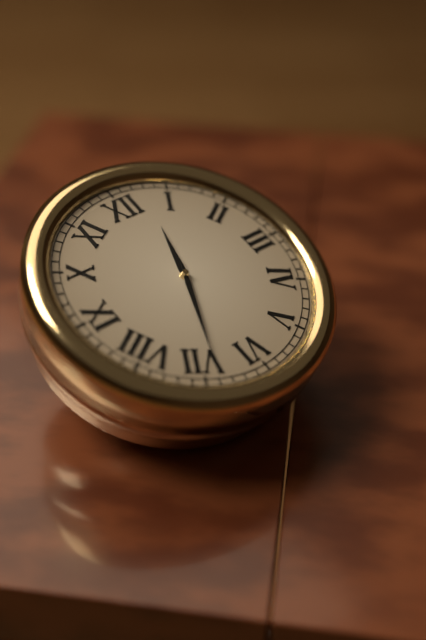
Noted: **12:34**
